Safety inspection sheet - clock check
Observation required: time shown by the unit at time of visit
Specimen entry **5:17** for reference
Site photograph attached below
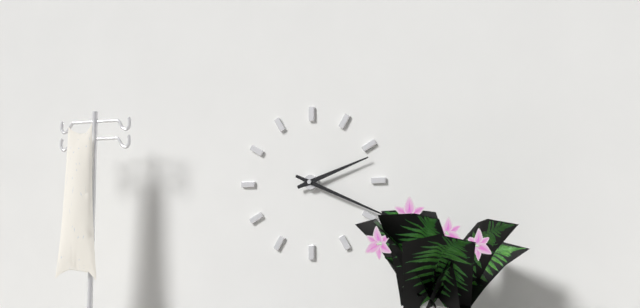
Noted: **2:19**
